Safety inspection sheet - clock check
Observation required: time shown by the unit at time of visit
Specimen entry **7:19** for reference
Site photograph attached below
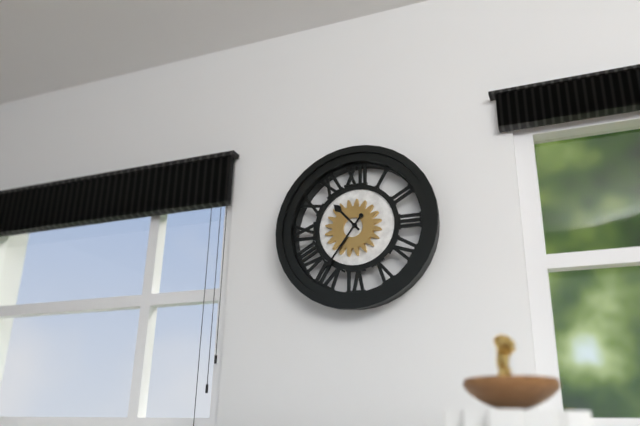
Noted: **10:36**
